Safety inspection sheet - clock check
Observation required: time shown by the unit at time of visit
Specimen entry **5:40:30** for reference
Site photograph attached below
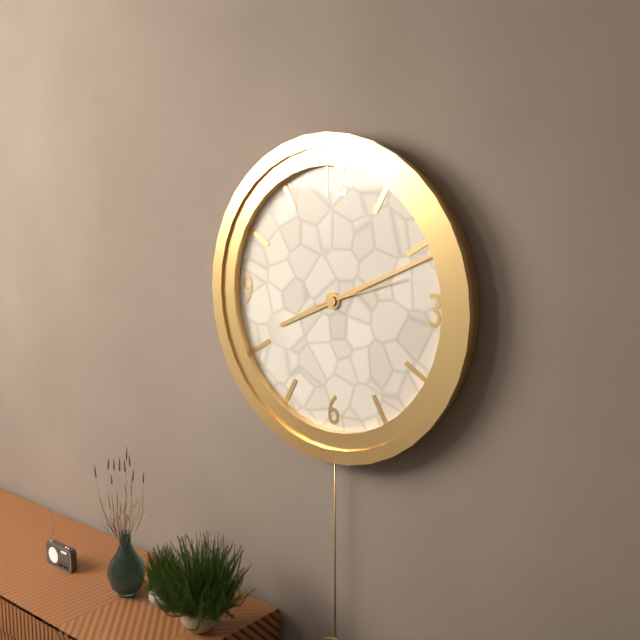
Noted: **8:11:12**
